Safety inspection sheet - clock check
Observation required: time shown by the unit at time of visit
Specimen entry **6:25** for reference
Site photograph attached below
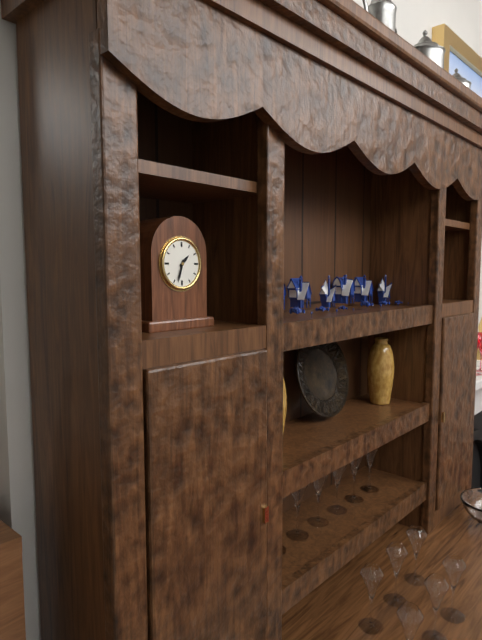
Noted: **1:33**
